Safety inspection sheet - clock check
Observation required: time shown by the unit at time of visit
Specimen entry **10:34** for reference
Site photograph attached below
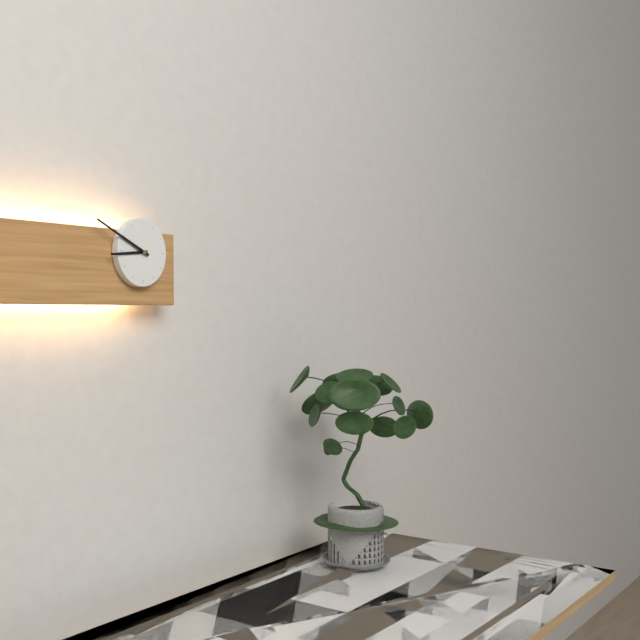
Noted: **8:49**
